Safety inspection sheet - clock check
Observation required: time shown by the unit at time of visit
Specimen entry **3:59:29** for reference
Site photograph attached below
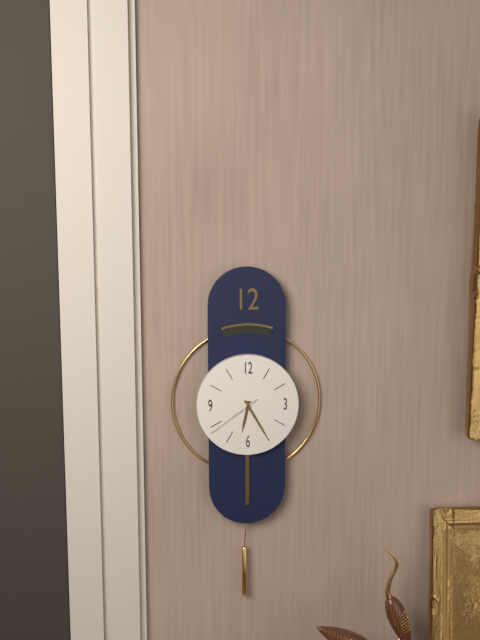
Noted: **6:25:39**
